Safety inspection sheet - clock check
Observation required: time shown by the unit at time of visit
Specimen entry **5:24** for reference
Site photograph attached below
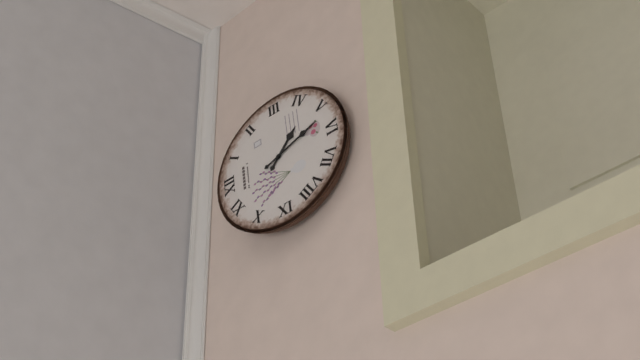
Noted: **4:27**
